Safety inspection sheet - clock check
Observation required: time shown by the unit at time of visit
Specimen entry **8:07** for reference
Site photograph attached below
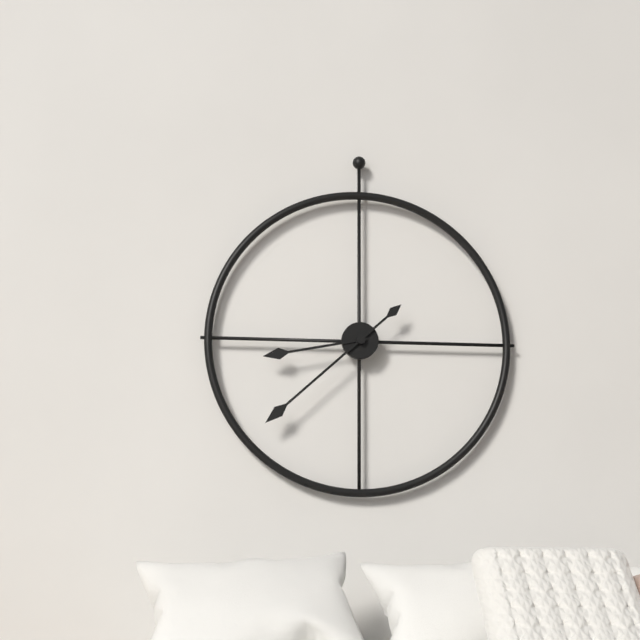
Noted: **8:38**
